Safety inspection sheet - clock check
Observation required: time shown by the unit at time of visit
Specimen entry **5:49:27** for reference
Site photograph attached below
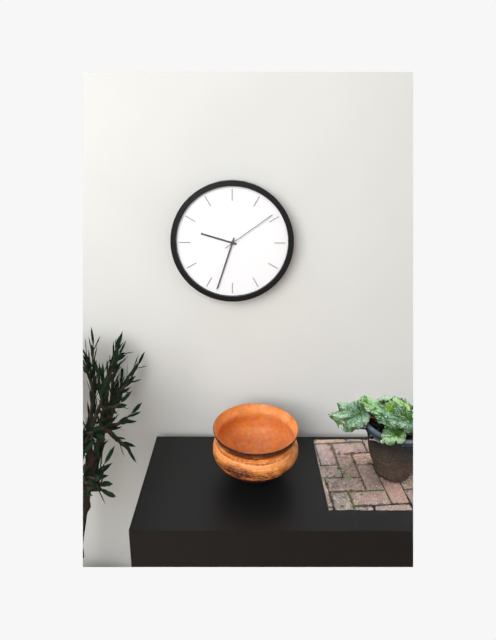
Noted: **9:33:09**
